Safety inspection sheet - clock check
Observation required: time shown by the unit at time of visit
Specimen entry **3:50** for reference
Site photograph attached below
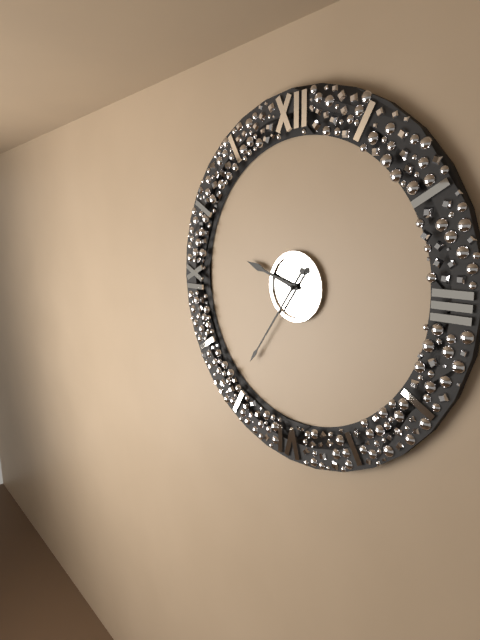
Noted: **9:36**
